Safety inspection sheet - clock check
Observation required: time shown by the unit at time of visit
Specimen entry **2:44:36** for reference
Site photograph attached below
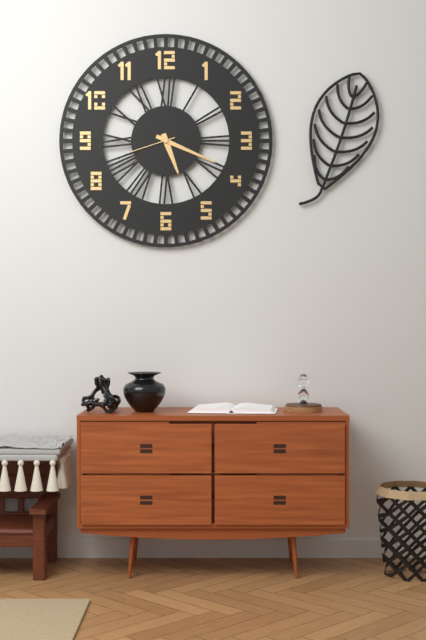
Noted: **5:19:42**
